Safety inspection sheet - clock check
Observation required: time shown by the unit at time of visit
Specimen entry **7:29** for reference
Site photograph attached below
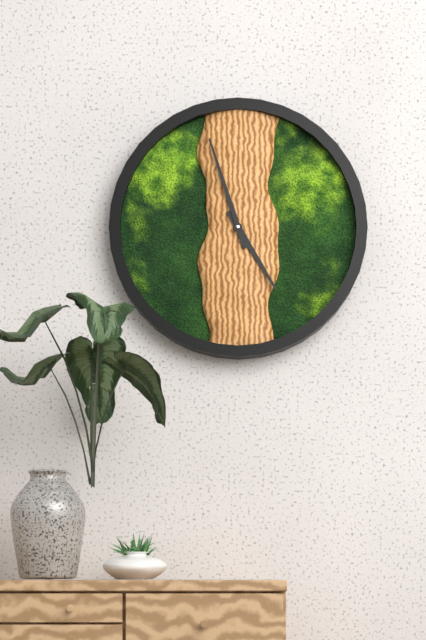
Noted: **4:57**
